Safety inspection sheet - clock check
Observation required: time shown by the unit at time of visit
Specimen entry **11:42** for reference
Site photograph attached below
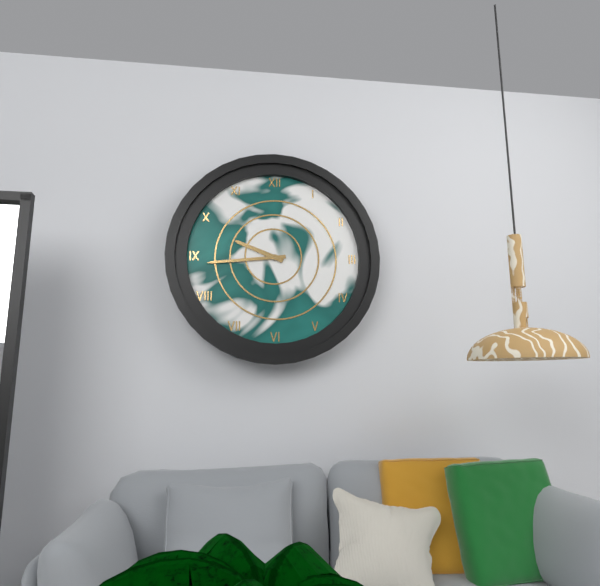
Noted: **9:44**
